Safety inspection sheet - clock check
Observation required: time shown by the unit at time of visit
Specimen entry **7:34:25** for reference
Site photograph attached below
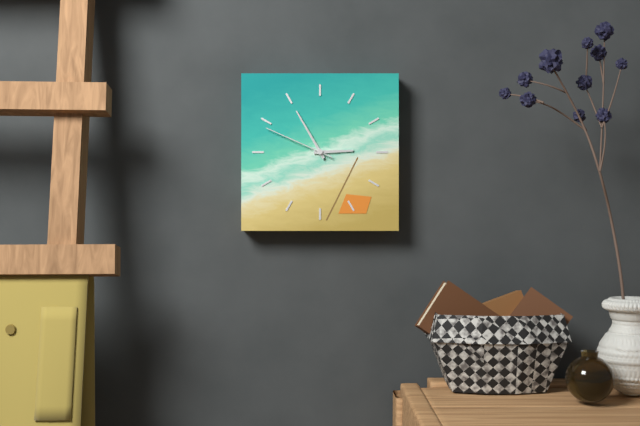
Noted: **2:55:49**
